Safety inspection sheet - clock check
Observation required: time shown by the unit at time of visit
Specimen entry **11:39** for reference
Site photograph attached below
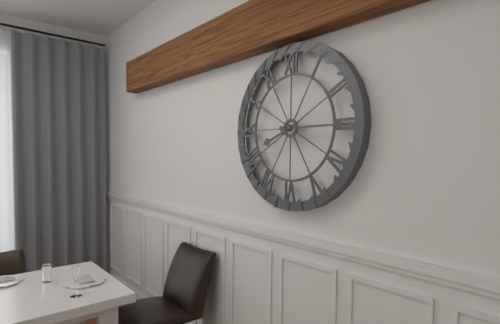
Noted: **8:15**
